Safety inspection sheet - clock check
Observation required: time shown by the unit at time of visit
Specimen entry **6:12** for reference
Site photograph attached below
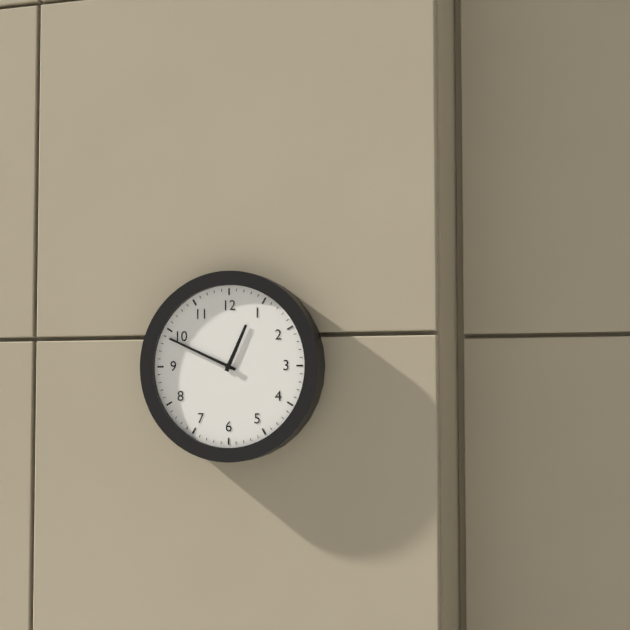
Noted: **12:49**
